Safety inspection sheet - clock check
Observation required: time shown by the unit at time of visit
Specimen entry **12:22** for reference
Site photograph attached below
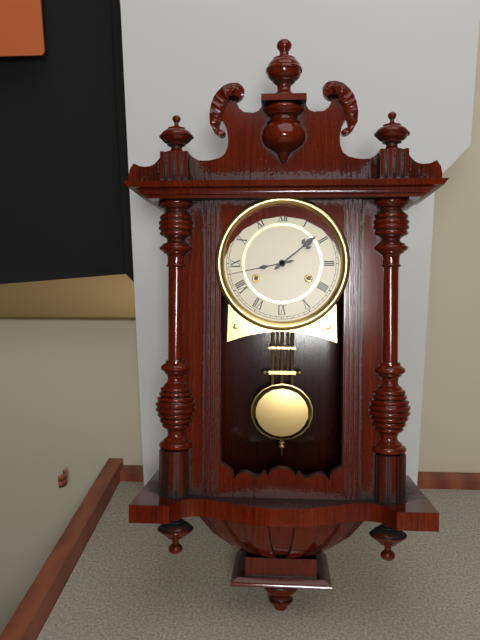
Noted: **1:43**
